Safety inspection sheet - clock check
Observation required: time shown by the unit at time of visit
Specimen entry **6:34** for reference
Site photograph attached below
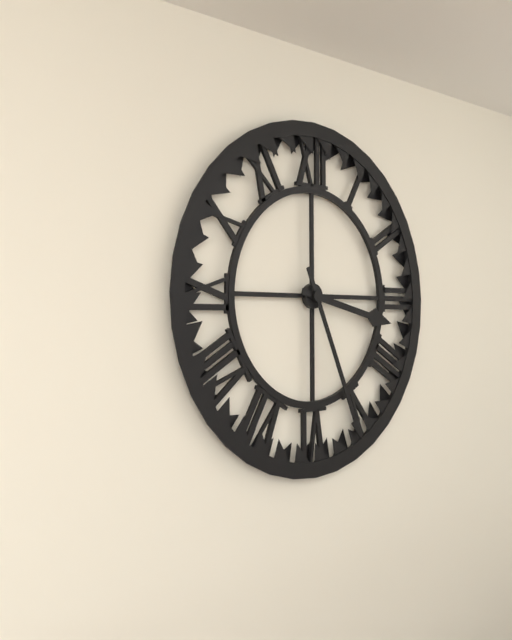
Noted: **3:26**
